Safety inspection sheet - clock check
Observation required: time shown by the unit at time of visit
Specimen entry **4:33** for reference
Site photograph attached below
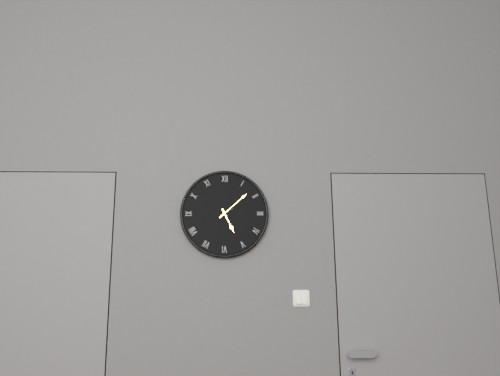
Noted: **5:08**
